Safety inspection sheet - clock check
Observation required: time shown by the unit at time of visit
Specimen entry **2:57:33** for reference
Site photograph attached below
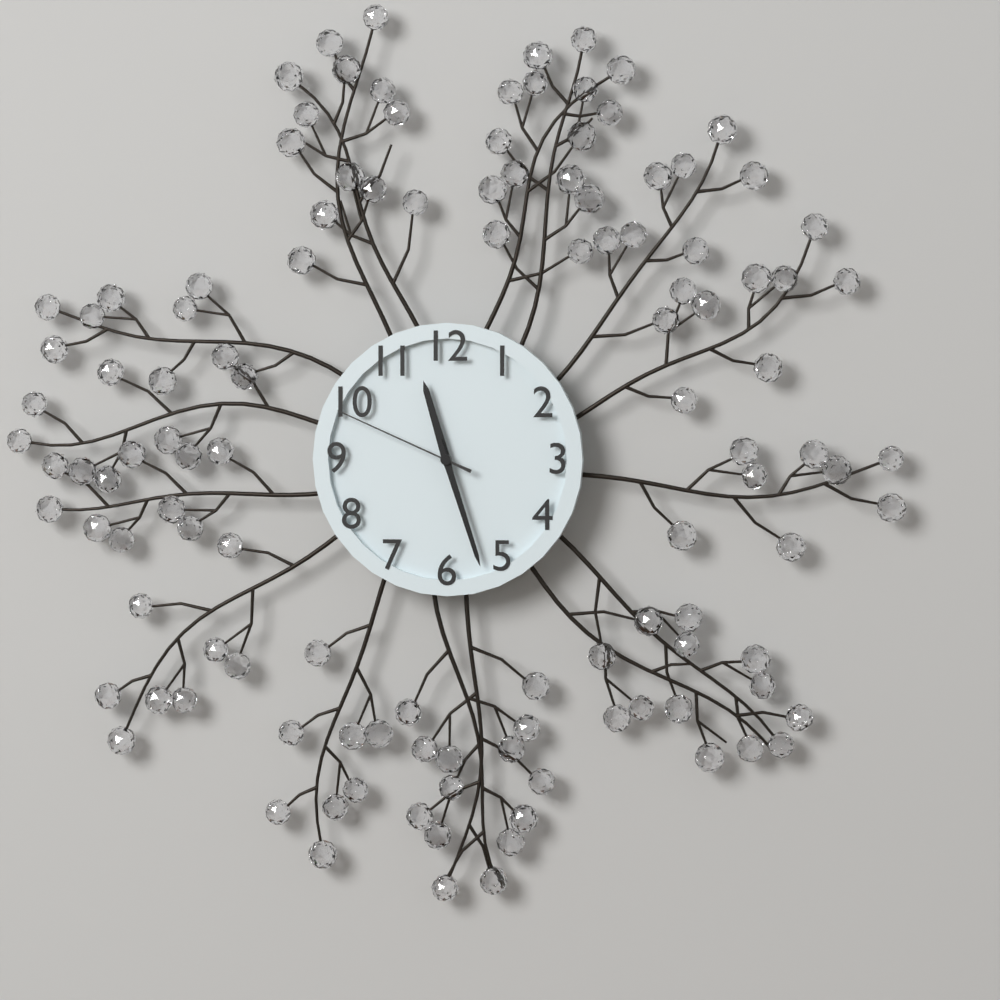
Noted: **11:27:49**
